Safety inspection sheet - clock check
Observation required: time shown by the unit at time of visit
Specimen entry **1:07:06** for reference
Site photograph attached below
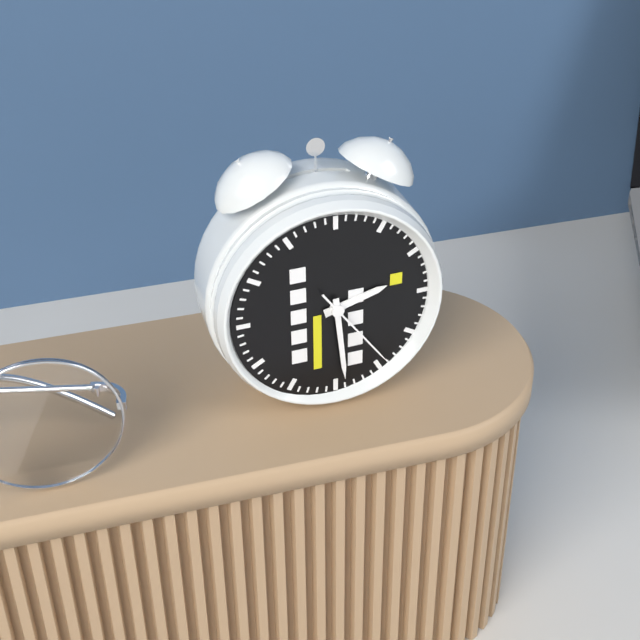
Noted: **2:29:24**
